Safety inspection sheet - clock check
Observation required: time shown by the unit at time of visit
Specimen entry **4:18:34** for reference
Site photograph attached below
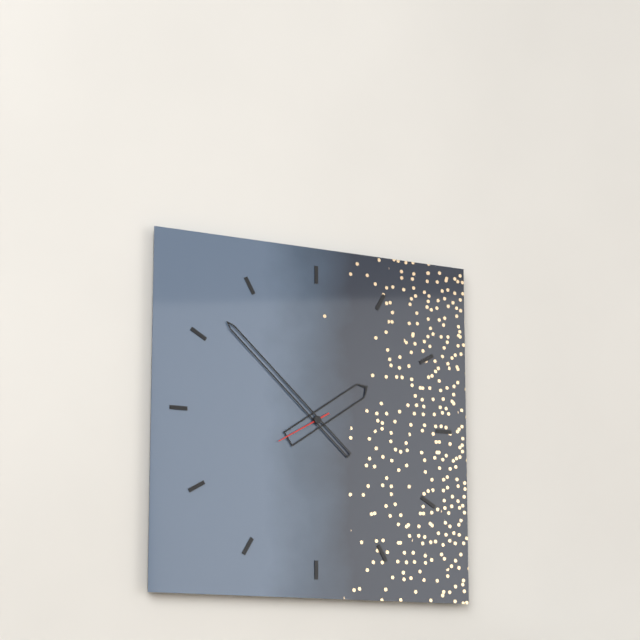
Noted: **1:52:40**
